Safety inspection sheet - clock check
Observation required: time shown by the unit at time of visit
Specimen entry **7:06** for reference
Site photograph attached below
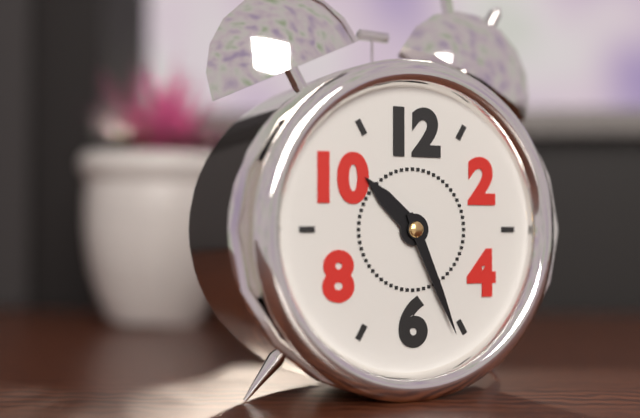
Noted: **10:26**
